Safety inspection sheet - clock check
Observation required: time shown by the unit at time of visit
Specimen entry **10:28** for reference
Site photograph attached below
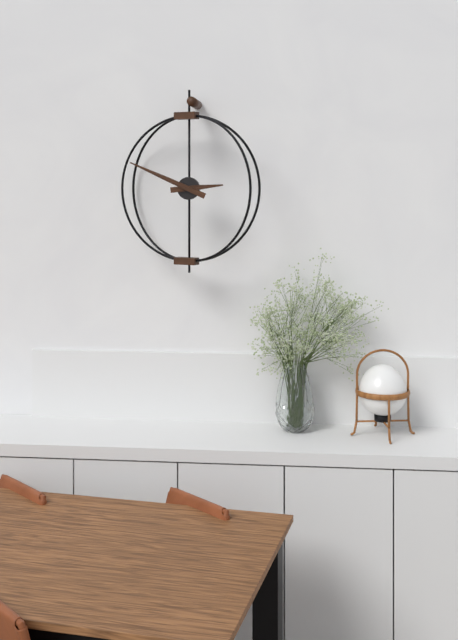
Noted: **2:49**
